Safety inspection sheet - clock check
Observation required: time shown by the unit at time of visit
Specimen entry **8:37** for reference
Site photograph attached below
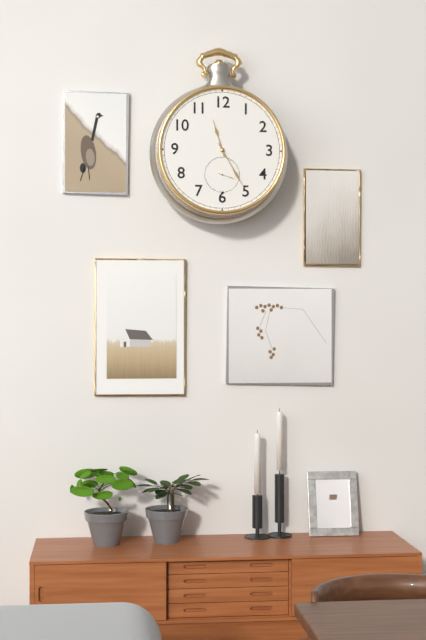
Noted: **11:25**
